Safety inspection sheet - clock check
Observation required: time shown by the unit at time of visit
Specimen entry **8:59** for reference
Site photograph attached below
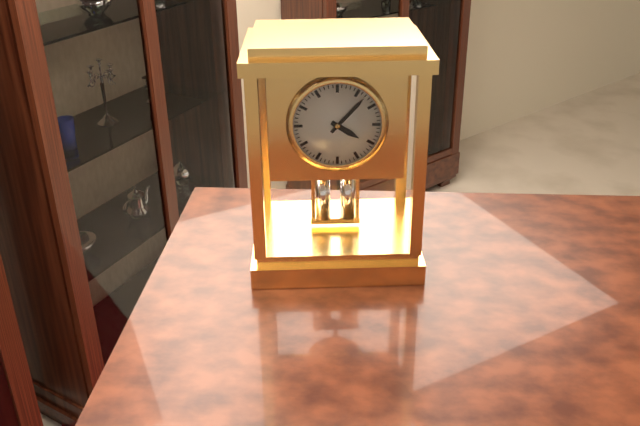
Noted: **4:07**
